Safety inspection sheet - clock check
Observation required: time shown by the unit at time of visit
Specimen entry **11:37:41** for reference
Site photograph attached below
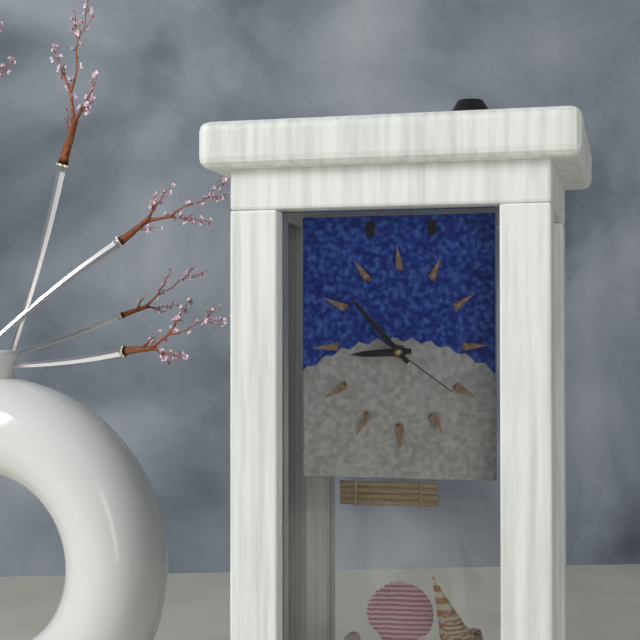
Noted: **8:53:21**
